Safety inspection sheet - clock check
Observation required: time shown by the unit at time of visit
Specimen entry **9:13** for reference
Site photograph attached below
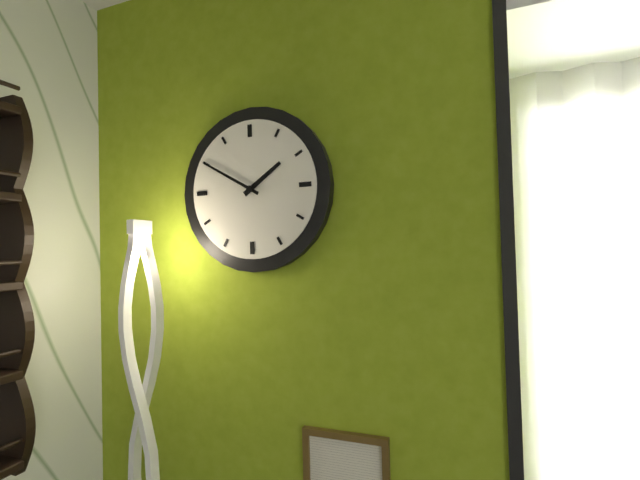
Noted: **1:50**
